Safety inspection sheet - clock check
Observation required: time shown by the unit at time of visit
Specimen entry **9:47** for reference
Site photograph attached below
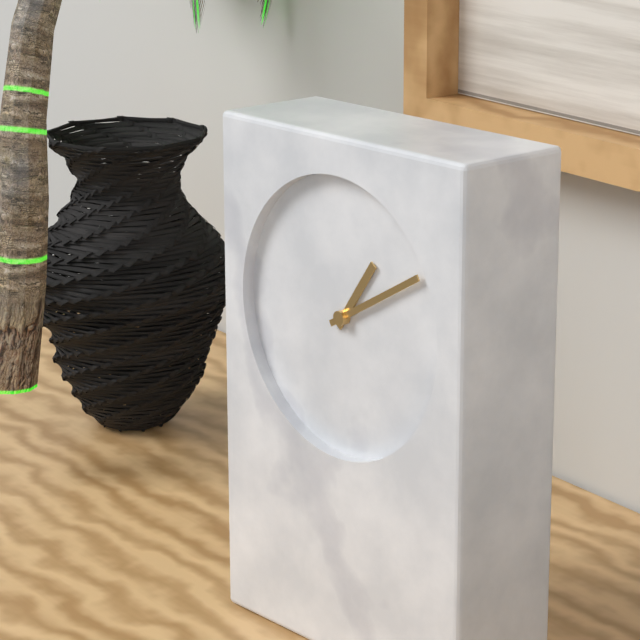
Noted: **1:10**
